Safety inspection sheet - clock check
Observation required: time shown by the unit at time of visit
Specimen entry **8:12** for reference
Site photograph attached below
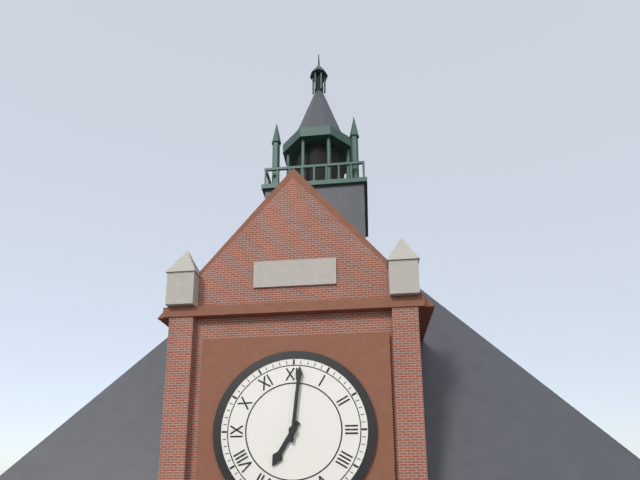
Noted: **7:01**
